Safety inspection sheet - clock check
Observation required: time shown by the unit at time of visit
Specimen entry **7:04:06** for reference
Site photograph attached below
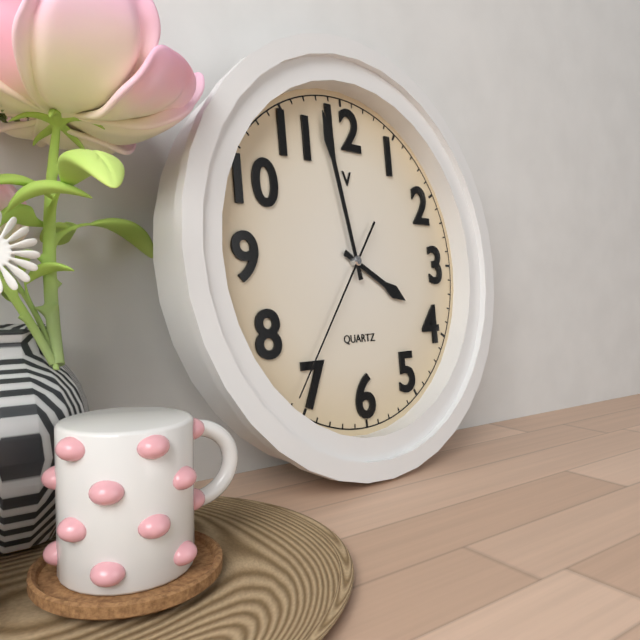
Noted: **3:58:36**
